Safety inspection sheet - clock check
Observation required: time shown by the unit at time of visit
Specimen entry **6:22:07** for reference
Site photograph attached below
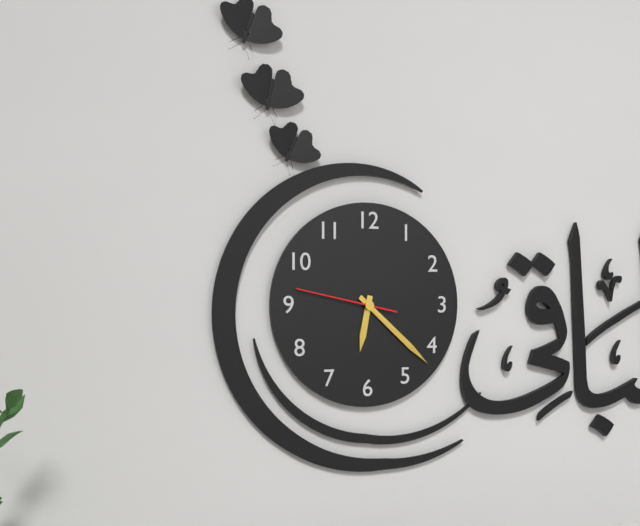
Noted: **6:22:47**
